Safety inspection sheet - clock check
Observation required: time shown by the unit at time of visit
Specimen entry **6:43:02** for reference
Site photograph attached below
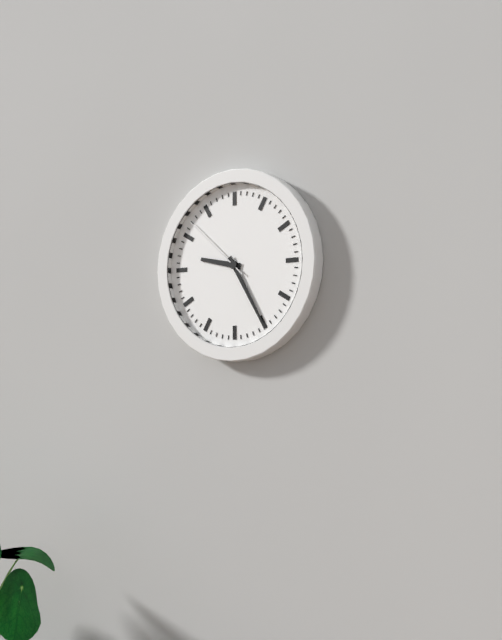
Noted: **9:25:52**
